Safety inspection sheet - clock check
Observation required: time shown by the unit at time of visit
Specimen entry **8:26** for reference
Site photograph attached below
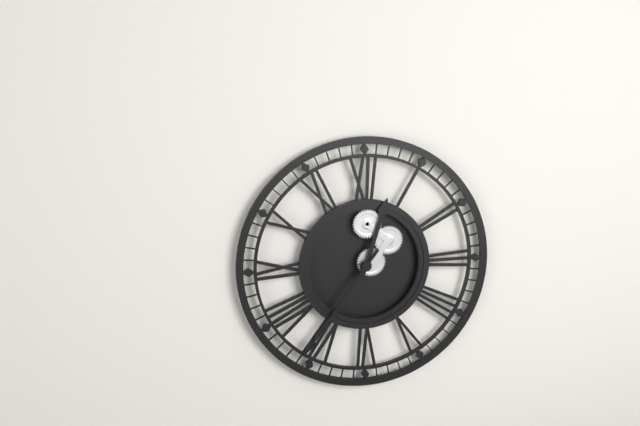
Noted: **12:36**
